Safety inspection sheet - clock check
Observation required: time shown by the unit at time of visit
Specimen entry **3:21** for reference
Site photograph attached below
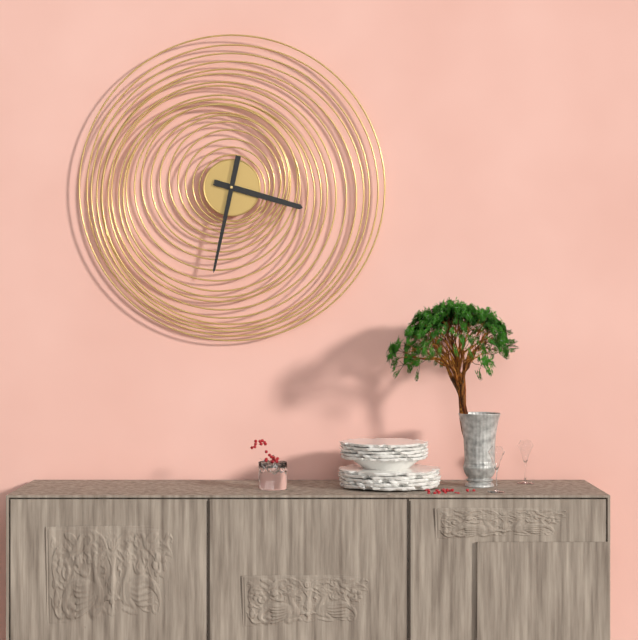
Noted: **3:32**
